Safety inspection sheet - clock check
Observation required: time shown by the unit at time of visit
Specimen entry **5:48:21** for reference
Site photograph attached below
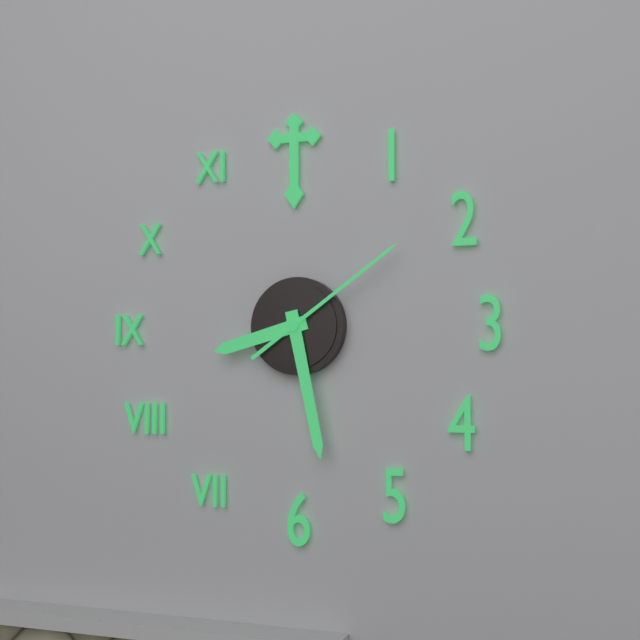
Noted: **8:28:09**
